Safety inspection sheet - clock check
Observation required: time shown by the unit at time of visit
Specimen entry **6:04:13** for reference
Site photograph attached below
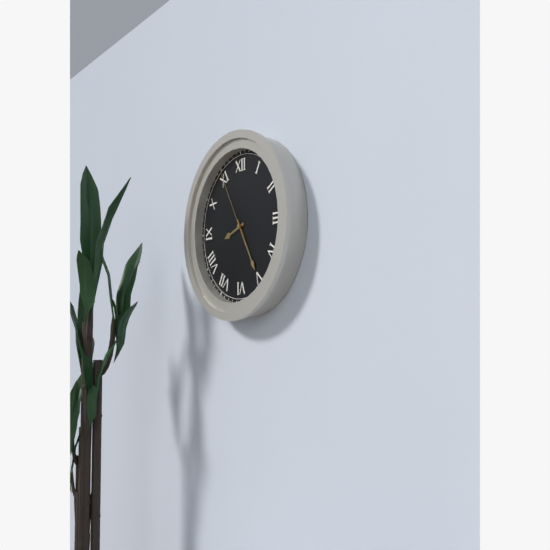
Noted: **8:25:55**
